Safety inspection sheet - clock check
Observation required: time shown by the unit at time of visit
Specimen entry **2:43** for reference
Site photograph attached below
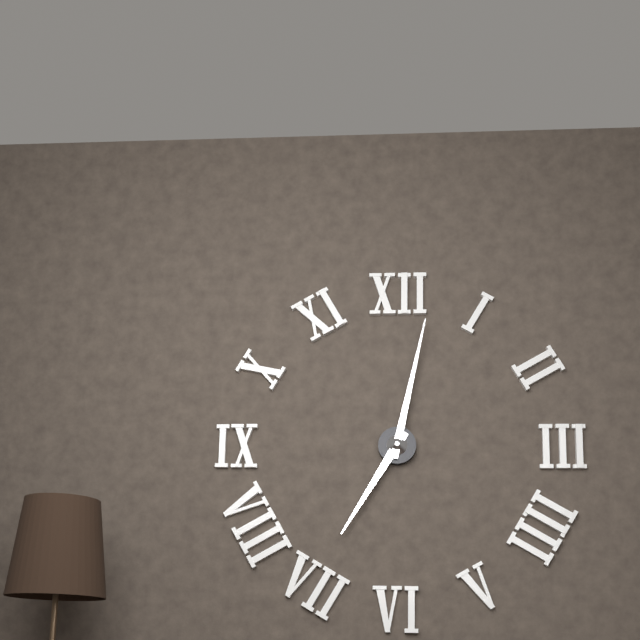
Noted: **7:02**
